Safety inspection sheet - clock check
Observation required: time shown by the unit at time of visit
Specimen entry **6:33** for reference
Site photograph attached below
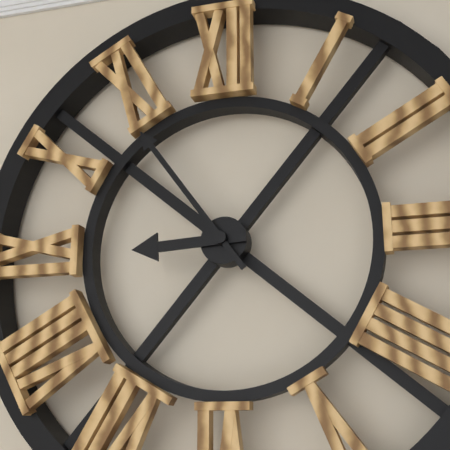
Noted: **8:54**
